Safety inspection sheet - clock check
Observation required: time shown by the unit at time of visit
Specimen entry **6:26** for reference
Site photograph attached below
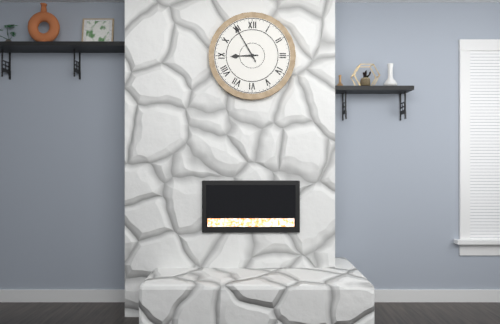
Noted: **8:55**
